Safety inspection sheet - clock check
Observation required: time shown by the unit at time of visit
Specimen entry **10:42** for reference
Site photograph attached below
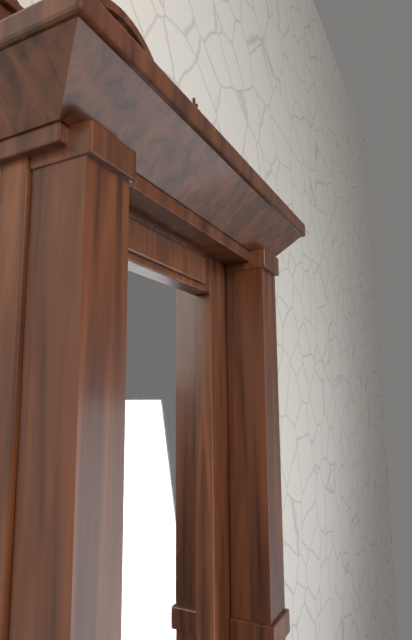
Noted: **1:03**
